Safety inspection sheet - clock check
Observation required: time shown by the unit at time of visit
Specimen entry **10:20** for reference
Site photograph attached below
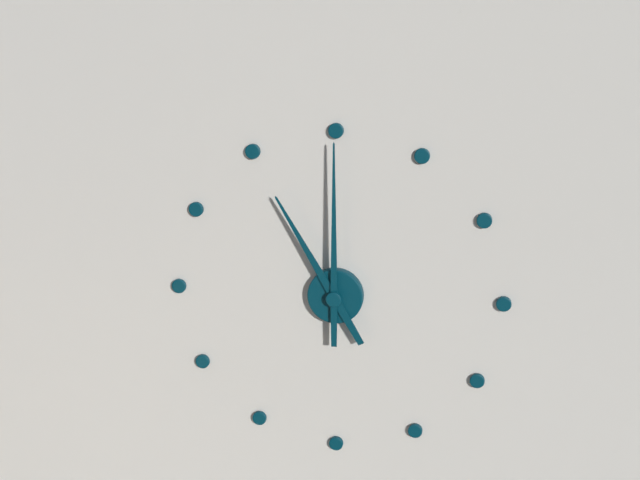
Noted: **11:00**
